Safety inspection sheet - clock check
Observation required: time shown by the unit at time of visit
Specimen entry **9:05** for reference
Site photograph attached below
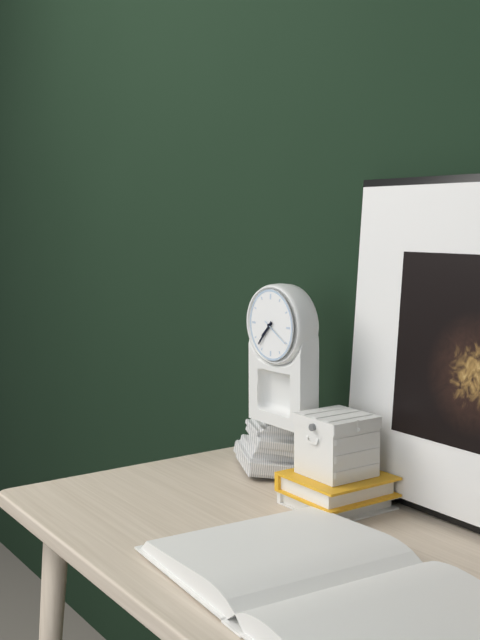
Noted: **7:37**
